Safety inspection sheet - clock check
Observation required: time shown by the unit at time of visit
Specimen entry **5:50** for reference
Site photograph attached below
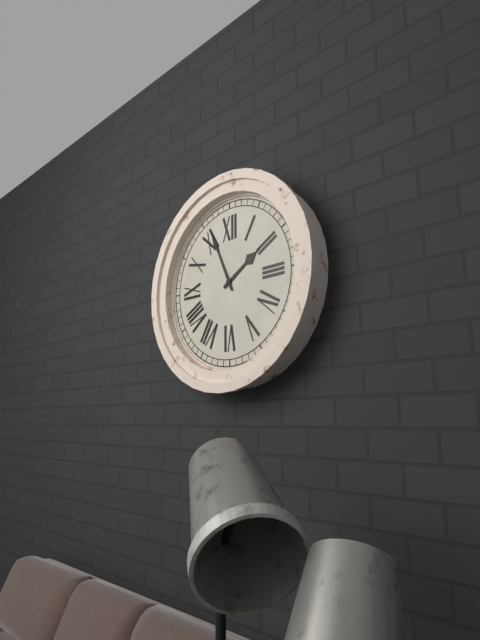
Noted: **1:56**
